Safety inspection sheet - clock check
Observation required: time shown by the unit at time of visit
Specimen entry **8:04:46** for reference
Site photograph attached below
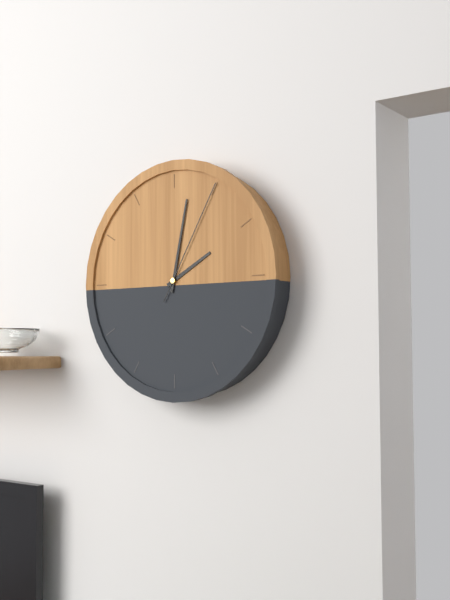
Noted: **2:02:05**
